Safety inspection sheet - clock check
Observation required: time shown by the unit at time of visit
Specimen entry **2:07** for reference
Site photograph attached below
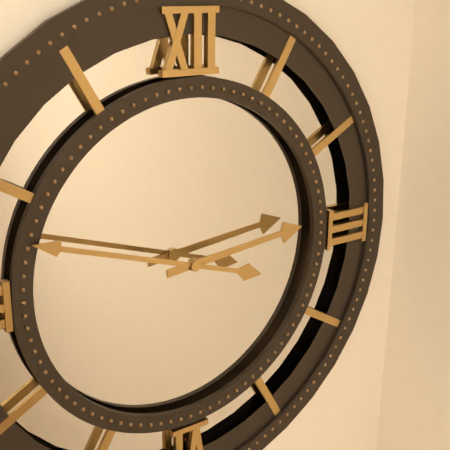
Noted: **2:48**
